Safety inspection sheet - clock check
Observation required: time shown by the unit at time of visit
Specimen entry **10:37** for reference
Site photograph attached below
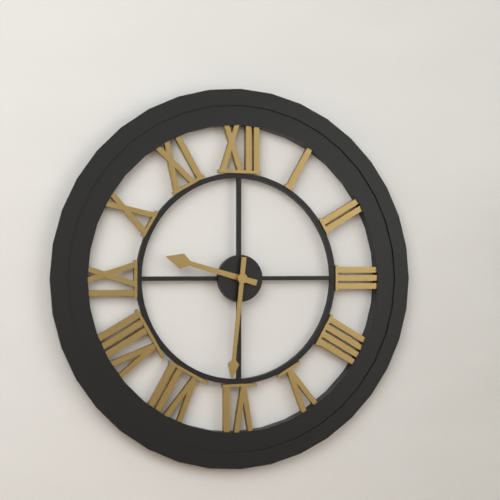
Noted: **9:31**
